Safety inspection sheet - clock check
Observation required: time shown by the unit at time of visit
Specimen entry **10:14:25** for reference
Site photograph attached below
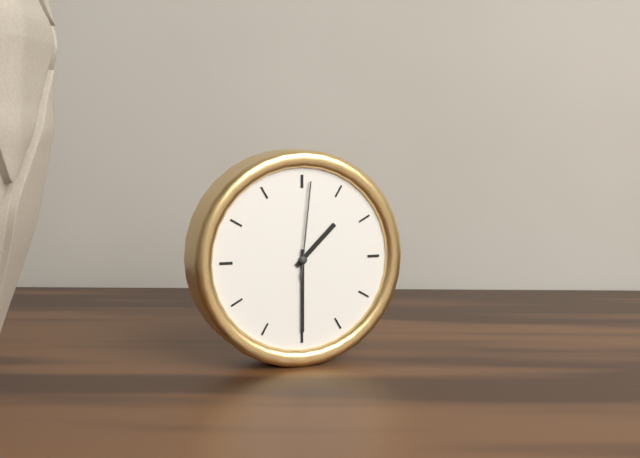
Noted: **1:30:01**
